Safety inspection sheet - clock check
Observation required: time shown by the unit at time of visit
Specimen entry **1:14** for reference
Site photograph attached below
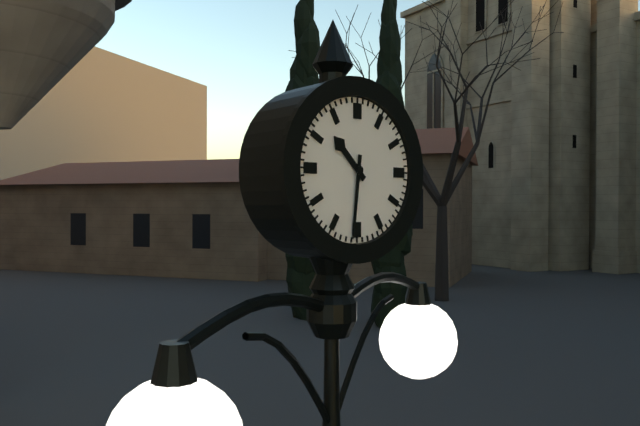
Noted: **10:31**
